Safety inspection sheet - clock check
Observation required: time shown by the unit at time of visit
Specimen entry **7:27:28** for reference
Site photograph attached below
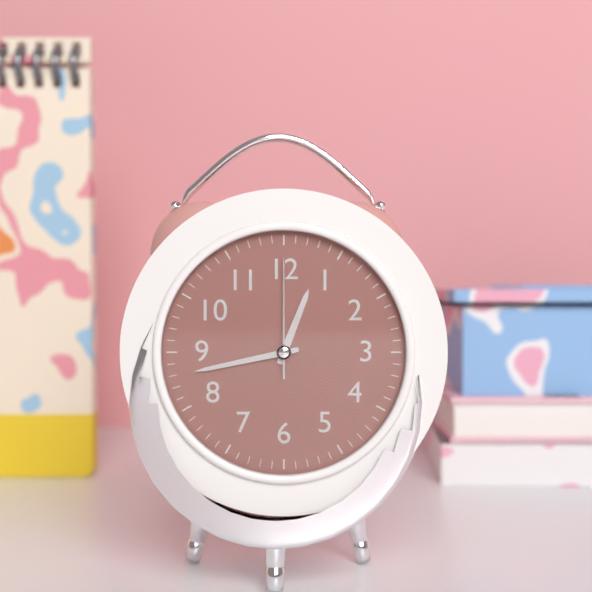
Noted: **12:43:00**
